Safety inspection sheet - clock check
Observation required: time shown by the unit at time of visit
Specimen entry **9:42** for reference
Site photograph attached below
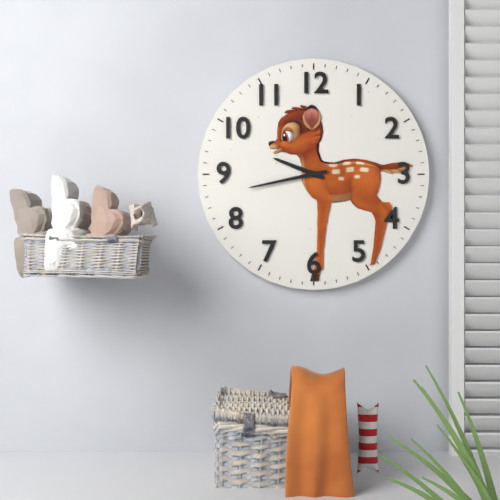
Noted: **9:43**
